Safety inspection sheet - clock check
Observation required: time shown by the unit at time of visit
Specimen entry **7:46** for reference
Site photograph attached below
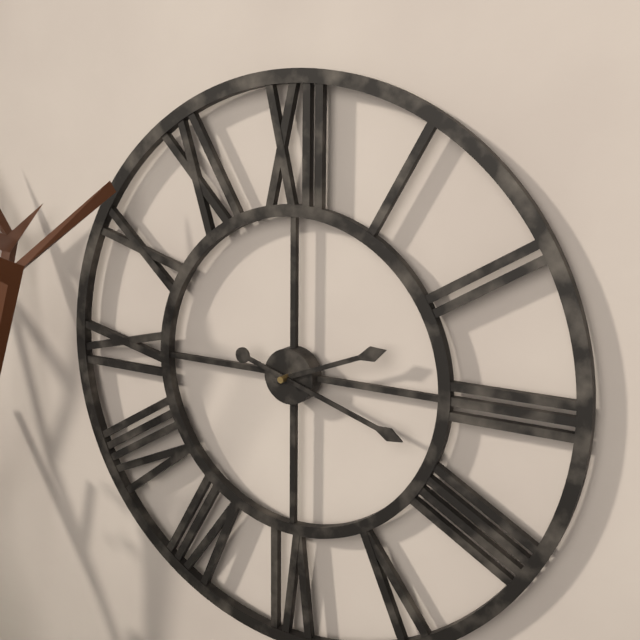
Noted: **2:18**
